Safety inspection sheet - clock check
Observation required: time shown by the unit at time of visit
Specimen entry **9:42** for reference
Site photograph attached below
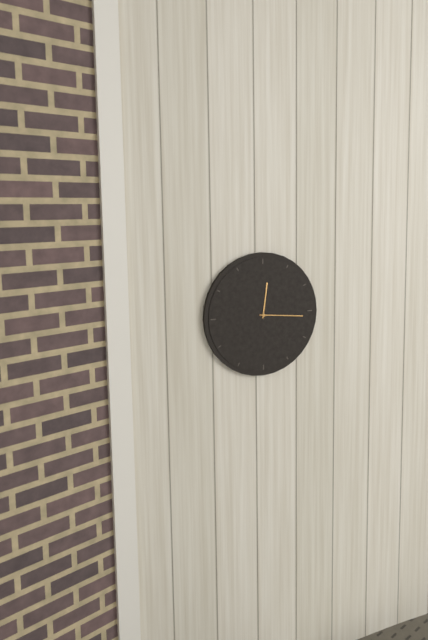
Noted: **12:16**
